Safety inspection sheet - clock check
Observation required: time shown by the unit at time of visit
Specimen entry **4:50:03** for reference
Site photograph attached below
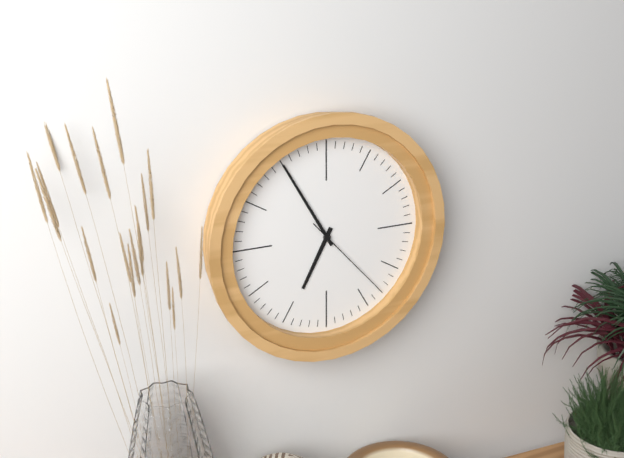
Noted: **6:55:23**
